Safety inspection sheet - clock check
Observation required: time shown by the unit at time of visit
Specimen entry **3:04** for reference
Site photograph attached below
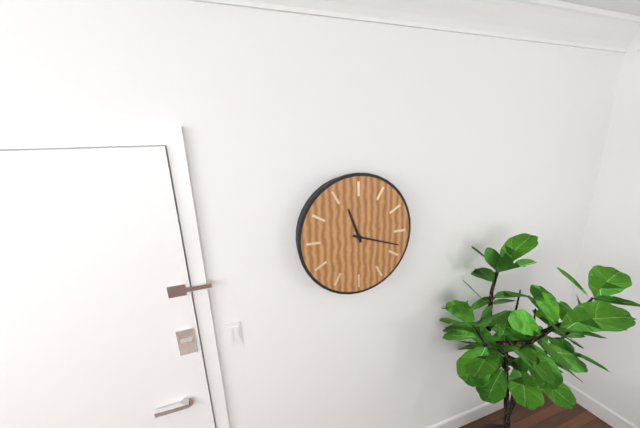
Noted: **11:18**
